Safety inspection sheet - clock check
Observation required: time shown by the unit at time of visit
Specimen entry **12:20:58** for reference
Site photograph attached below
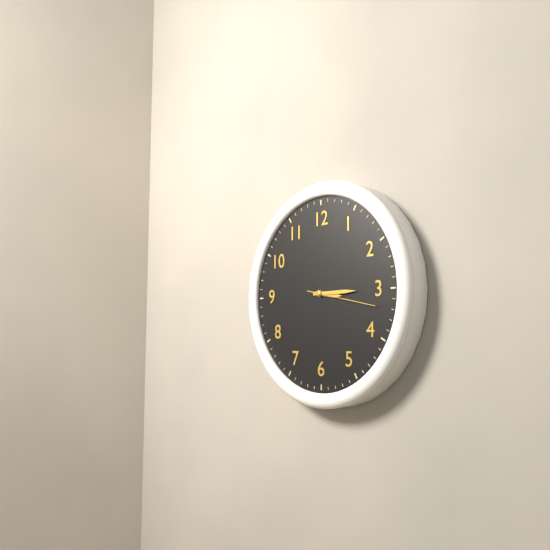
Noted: **3:15:17**
